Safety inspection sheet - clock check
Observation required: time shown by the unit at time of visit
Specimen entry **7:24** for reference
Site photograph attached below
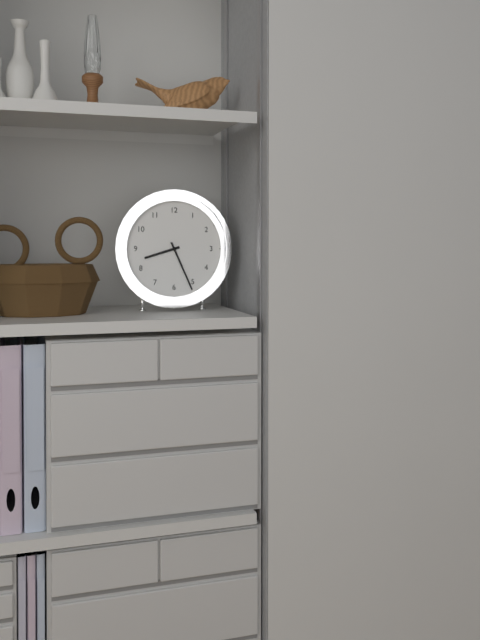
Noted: **8:26**
